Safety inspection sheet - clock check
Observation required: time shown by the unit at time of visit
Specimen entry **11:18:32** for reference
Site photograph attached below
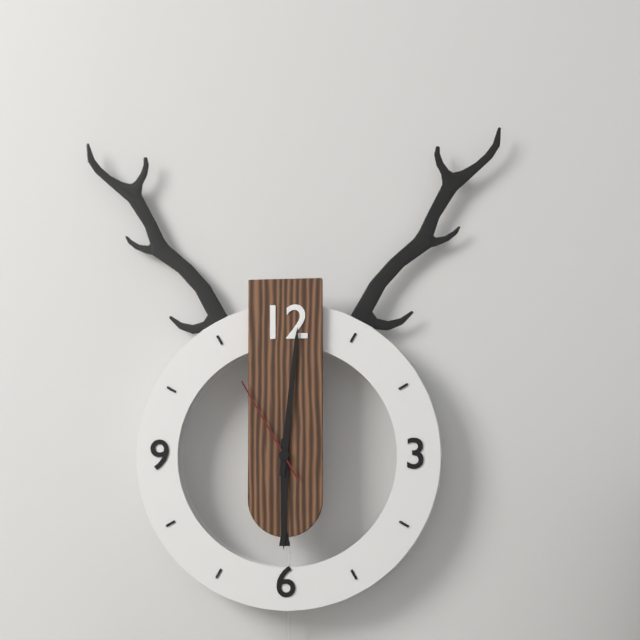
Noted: **6:01:55**
